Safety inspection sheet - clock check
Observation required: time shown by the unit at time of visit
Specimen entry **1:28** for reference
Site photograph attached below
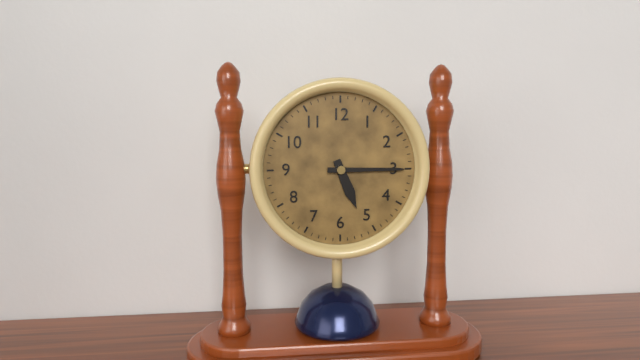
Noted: **5:15**
